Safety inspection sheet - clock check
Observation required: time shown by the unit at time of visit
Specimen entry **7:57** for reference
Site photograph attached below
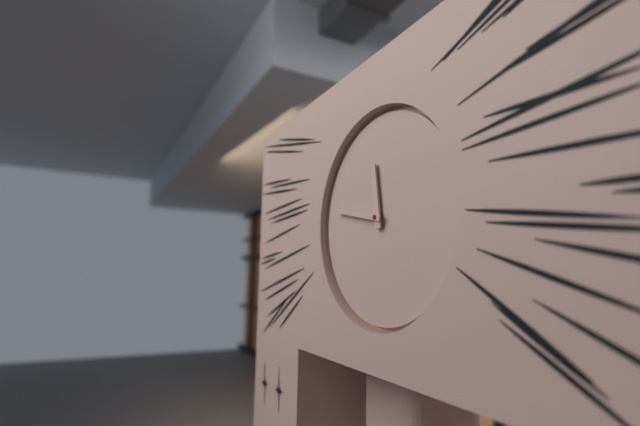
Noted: **11:47**
